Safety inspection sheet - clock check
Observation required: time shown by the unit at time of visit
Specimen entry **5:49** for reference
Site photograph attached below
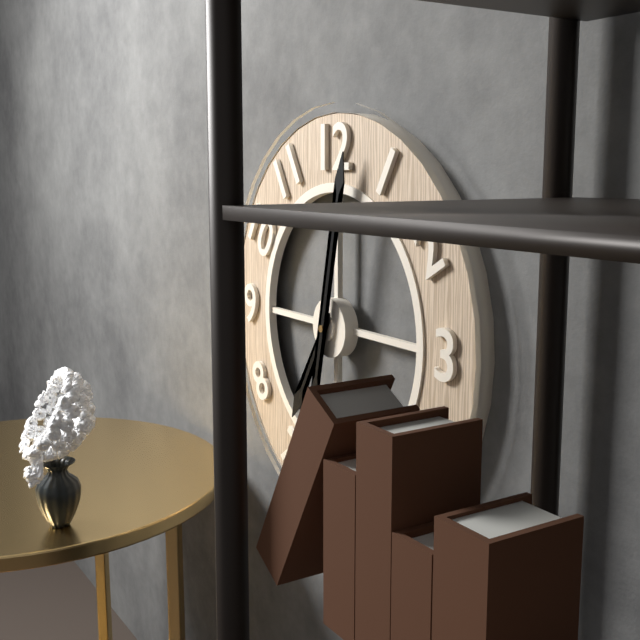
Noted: **7:02**
